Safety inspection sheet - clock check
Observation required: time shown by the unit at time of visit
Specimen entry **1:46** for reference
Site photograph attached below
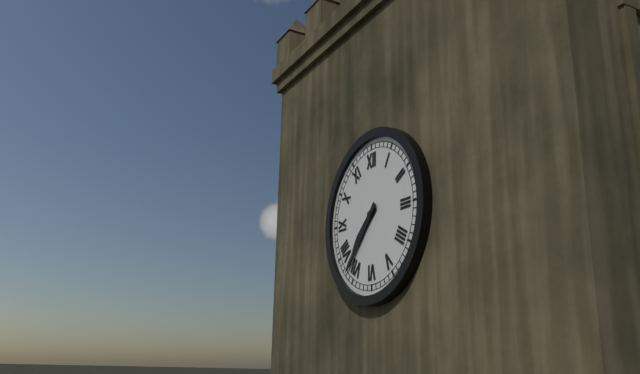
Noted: **7:37**
